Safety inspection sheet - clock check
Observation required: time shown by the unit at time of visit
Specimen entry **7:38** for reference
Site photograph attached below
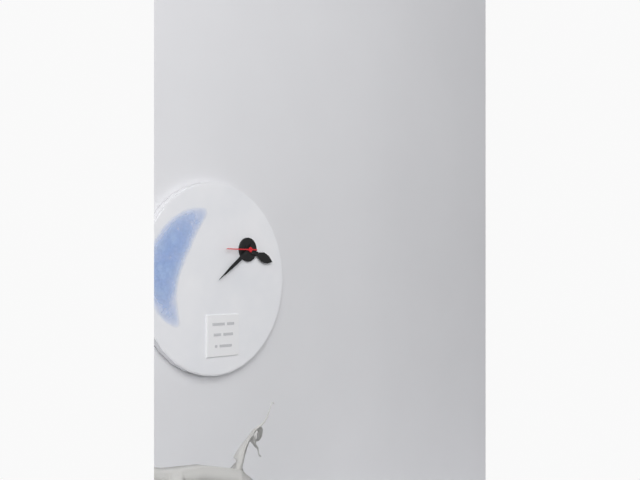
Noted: **3:39**
